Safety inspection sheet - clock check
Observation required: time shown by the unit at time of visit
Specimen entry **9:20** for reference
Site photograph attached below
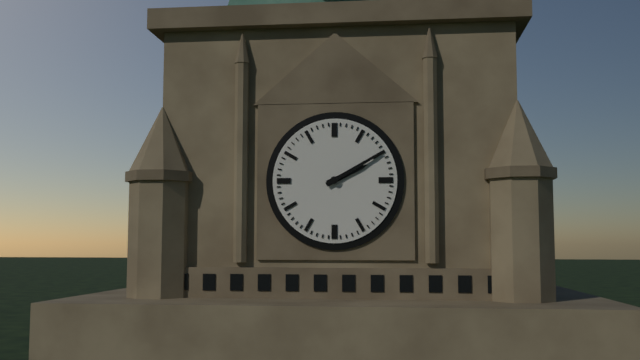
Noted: **2:10**
